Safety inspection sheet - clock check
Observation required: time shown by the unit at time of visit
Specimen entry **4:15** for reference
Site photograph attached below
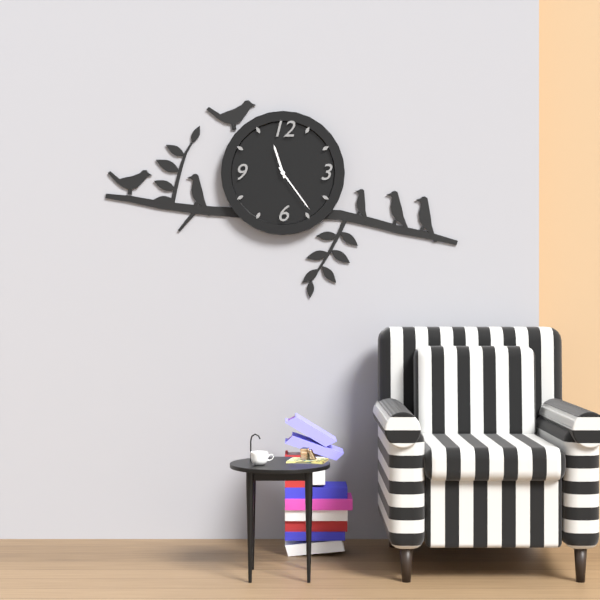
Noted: **11:24**
